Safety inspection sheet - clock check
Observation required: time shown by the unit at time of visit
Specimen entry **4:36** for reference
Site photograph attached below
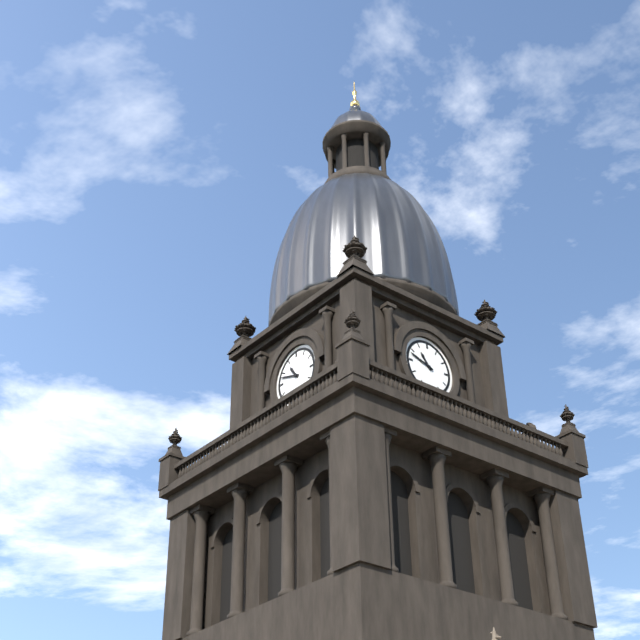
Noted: **10:48**
